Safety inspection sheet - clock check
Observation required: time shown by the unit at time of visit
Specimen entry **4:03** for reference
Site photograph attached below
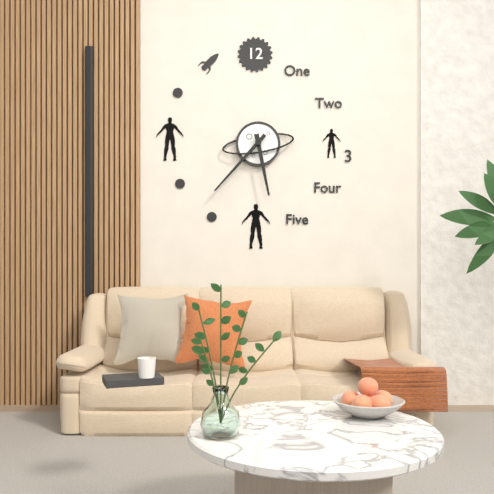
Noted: **5:37**
